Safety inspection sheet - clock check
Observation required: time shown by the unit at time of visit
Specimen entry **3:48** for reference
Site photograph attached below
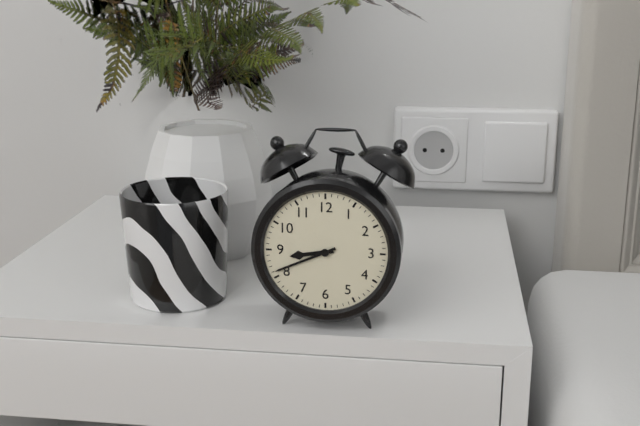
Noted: **8:41**
